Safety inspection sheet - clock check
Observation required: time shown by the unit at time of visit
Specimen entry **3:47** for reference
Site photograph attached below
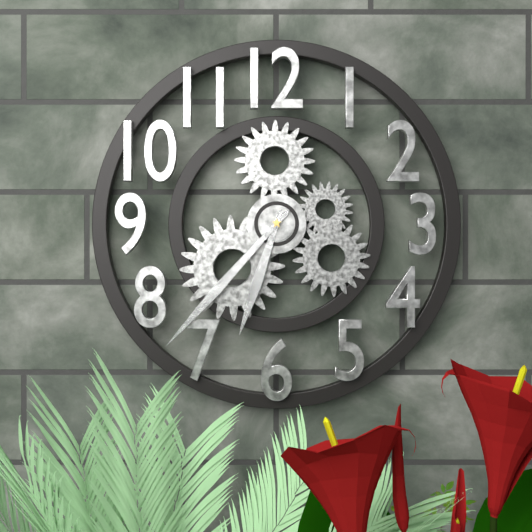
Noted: **6:37**
